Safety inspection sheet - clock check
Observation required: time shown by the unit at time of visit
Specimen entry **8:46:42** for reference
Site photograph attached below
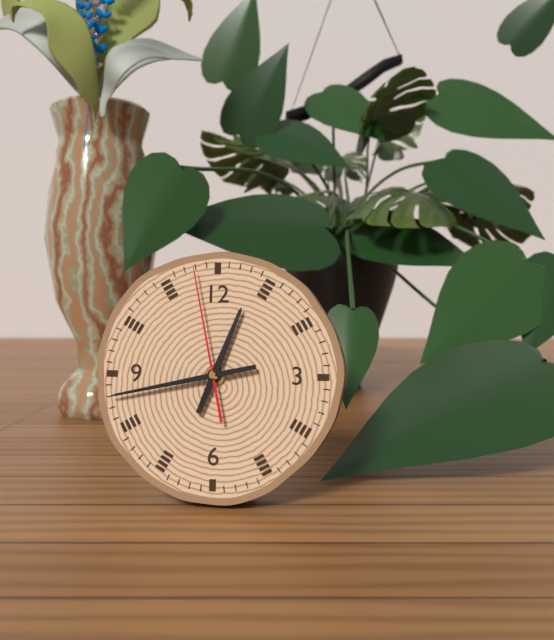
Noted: **12:43:58**
